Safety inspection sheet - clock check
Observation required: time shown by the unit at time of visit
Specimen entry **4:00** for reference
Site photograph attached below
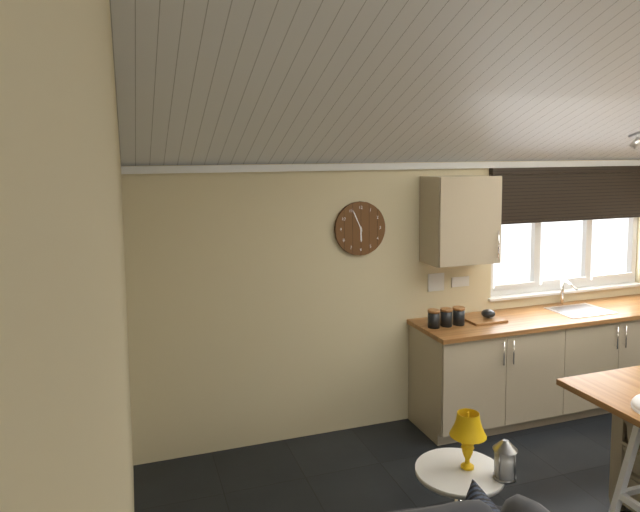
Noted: **5:56**
